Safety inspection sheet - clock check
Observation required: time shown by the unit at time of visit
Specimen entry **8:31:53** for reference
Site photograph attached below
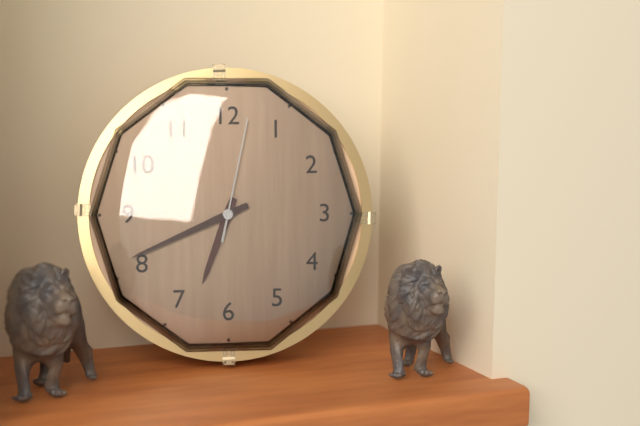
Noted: **6:41:02**
